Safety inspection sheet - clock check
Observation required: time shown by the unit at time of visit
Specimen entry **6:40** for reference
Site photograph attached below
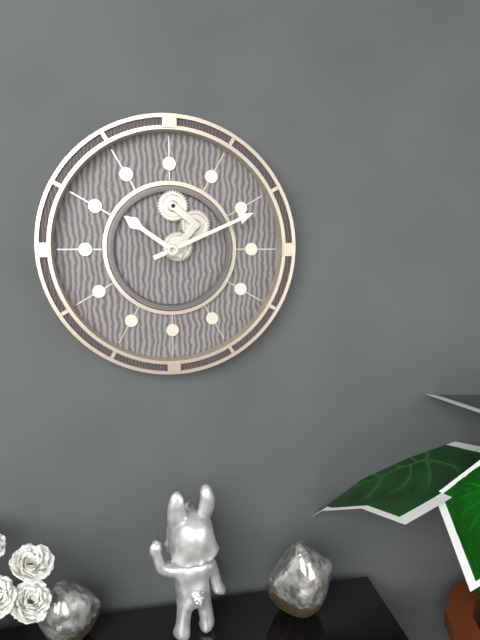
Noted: **10:11**
